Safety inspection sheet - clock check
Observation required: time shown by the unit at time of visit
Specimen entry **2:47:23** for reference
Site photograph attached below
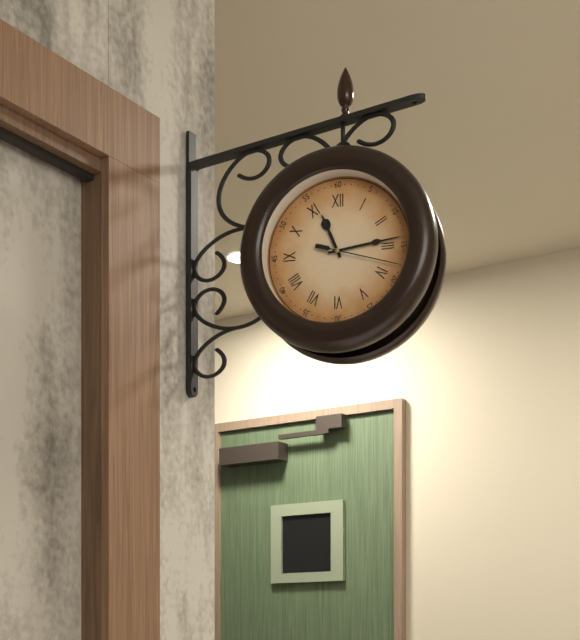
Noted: **11:14:18**
